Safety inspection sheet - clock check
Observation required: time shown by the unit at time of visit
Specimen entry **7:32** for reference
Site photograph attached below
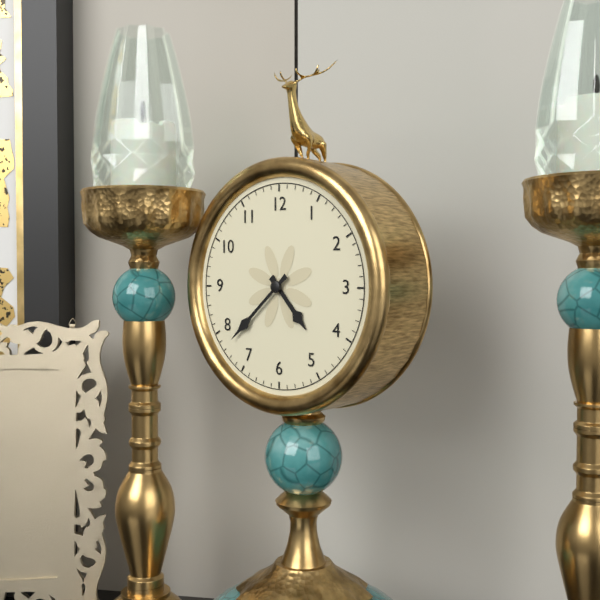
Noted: **4:38**
